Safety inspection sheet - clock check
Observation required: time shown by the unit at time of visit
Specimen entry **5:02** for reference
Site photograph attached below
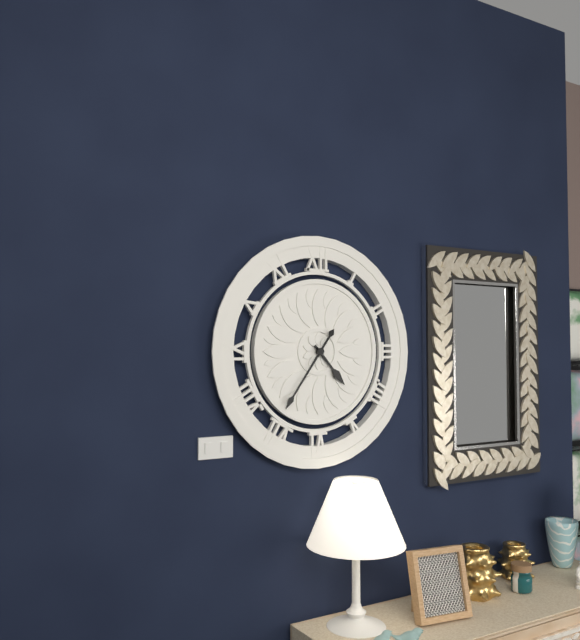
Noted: **4:36**
